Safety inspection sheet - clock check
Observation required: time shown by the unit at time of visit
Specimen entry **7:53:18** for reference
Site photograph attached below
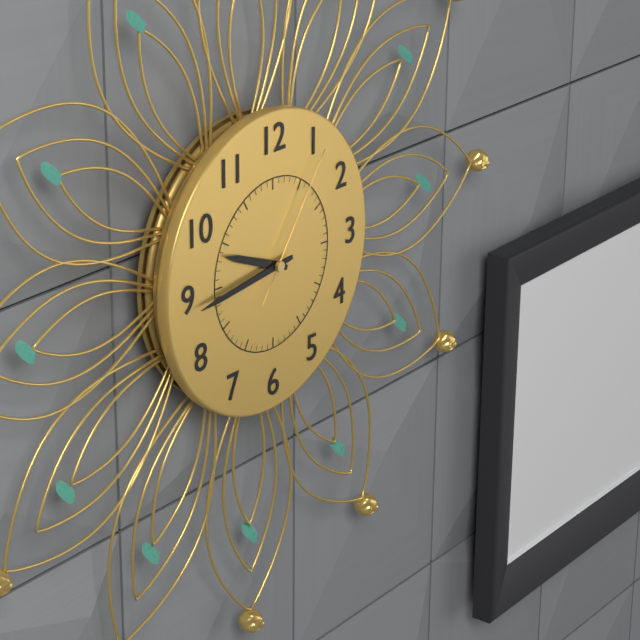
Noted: **9:44:06**
